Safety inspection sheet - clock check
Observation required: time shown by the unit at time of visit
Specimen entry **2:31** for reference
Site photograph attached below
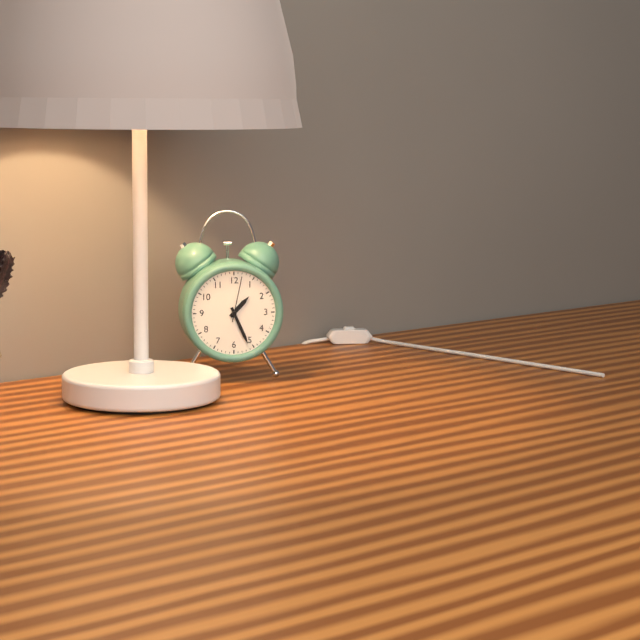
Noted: **1:26**
